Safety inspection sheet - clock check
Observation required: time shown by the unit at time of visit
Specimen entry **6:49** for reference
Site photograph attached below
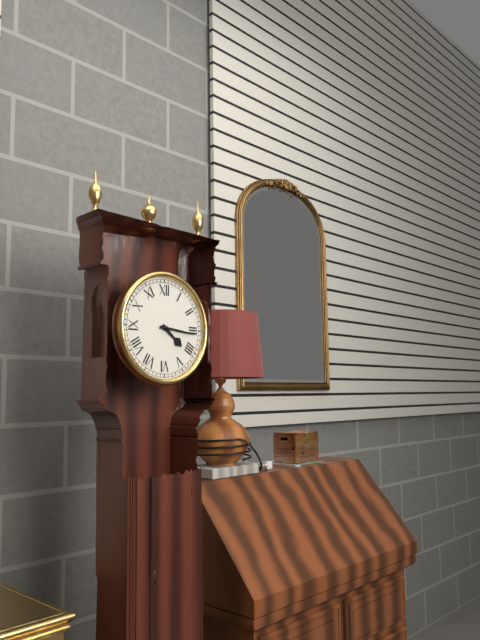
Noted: **4:16**
